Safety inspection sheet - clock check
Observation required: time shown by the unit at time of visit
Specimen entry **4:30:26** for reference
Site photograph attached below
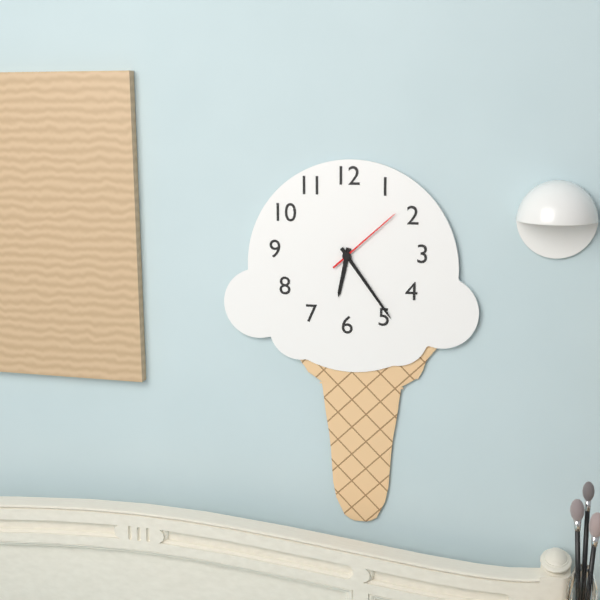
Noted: **6:24:08**
